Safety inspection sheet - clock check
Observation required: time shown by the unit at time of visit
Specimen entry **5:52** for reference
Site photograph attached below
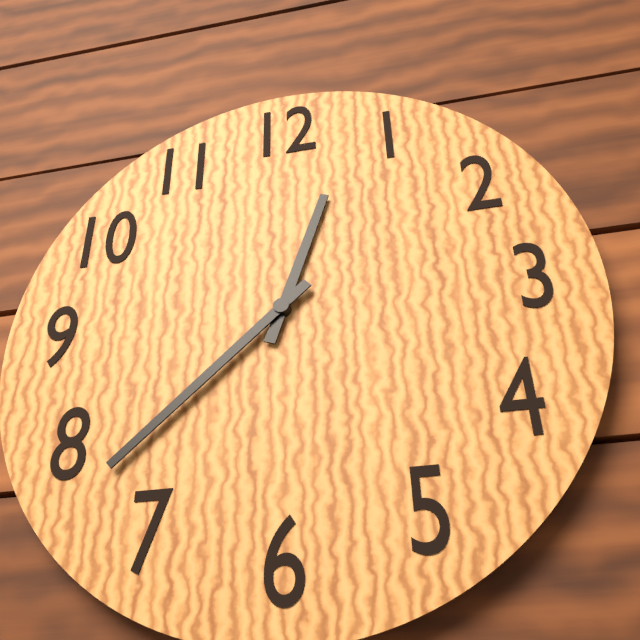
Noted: **12:38**
